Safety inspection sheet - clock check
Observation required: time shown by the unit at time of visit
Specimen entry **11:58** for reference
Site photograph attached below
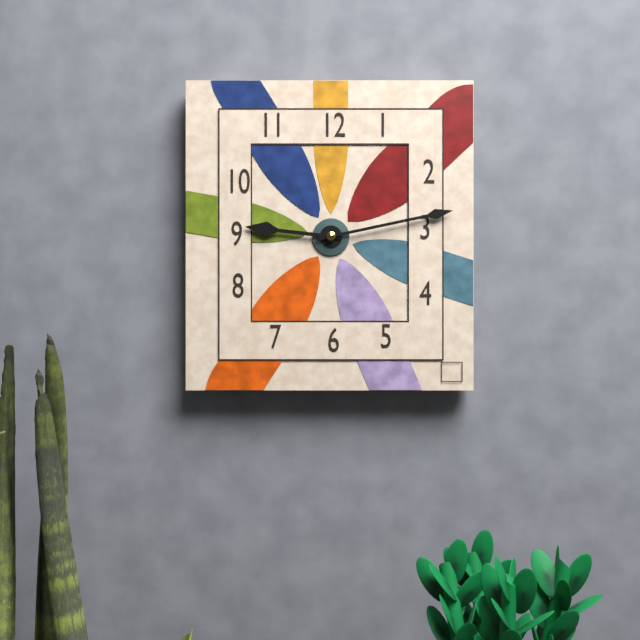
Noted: **9:13**
